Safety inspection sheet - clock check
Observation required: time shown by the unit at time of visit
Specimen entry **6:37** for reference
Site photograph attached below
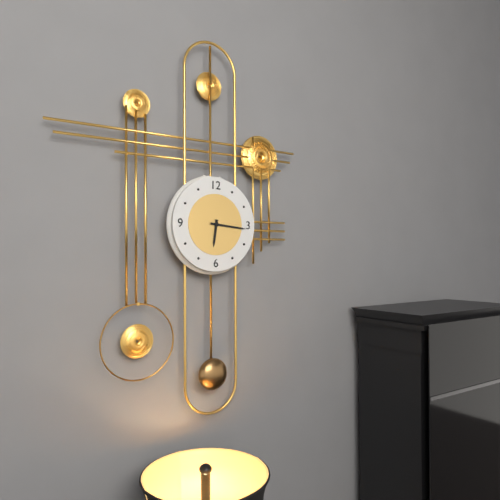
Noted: **6:16**
